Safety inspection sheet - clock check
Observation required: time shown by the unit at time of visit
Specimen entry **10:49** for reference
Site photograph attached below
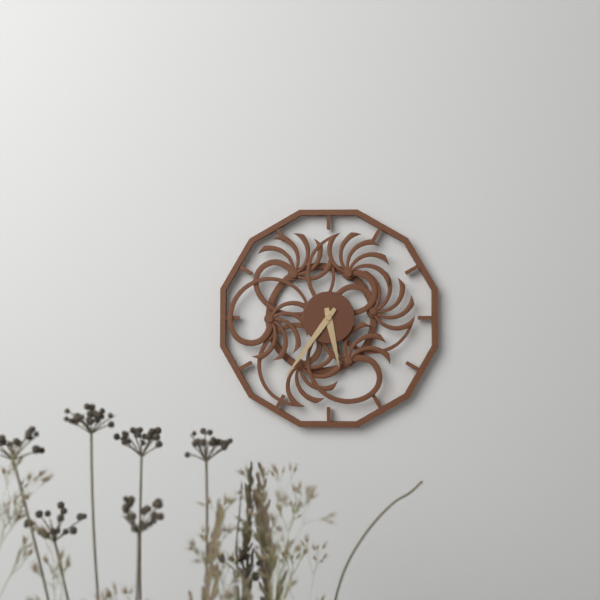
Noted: **5:36**
